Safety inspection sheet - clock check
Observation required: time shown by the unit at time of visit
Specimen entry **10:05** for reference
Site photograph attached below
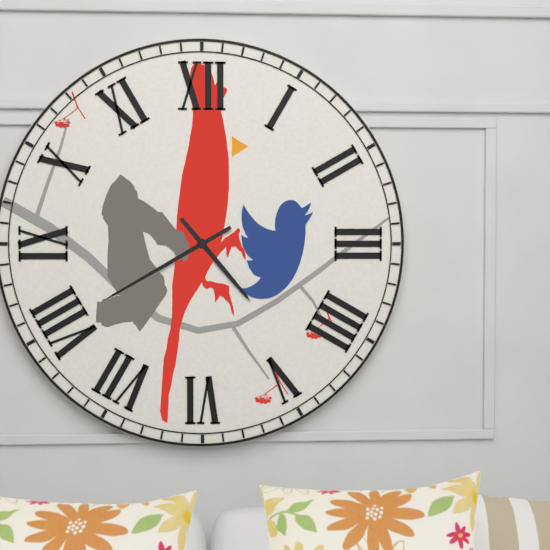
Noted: **4:40**
